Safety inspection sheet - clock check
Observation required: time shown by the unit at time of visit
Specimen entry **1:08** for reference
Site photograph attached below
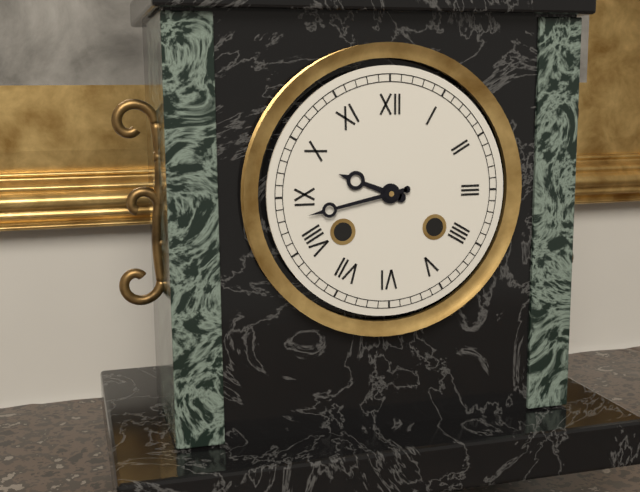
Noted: **9:43**
